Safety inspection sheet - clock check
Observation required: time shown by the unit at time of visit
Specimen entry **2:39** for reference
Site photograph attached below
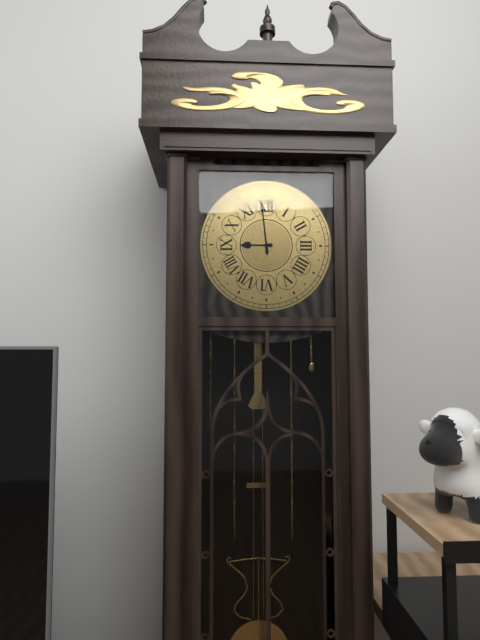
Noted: **8:59**
